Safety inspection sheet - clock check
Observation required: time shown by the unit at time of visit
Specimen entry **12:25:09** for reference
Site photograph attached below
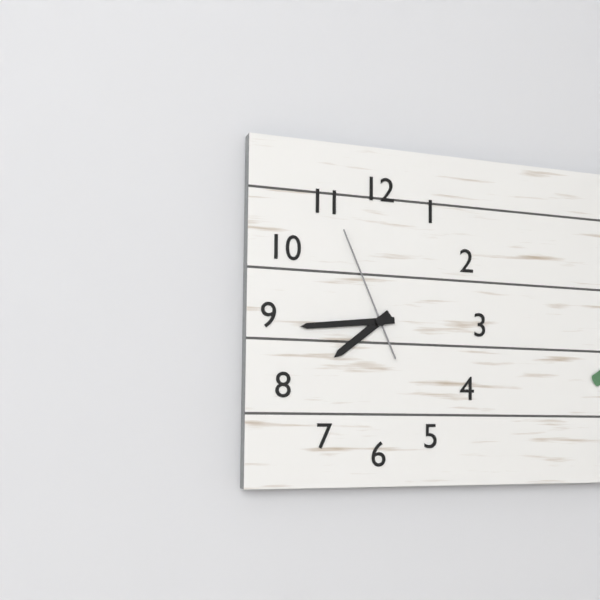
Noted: **7:44:56**
